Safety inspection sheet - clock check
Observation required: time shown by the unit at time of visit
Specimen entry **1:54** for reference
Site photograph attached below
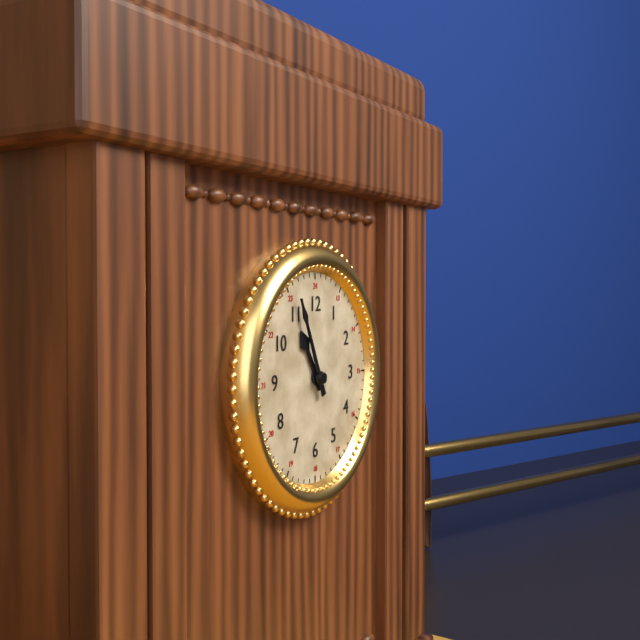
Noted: **10:56**
